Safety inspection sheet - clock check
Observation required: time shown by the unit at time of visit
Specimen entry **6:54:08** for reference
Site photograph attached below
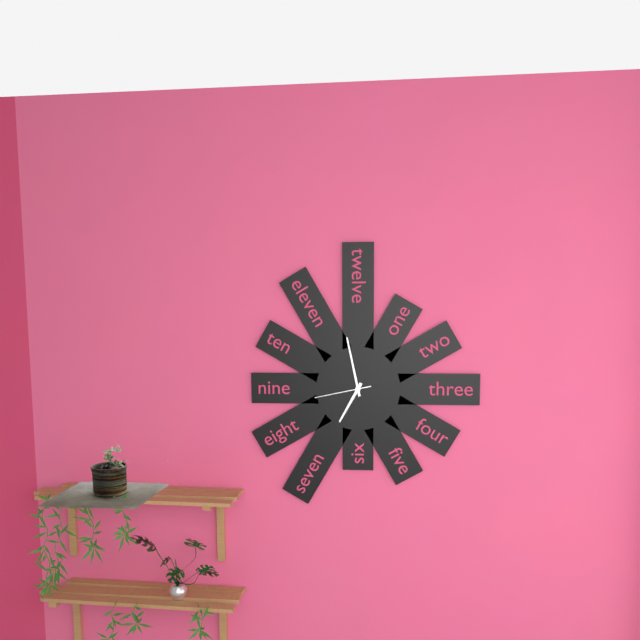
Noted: **6:58:43**
